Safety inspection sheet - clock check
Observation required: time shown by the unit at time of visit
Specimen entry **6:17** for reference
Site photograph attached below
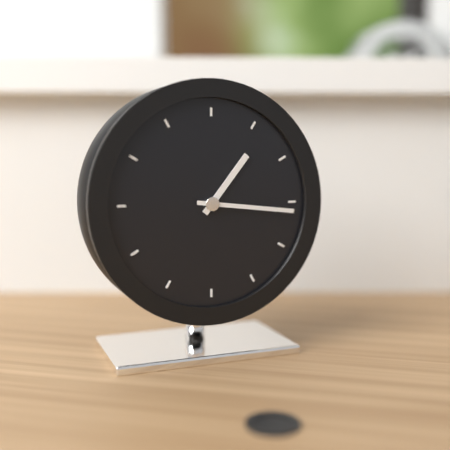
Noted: **1:16**
